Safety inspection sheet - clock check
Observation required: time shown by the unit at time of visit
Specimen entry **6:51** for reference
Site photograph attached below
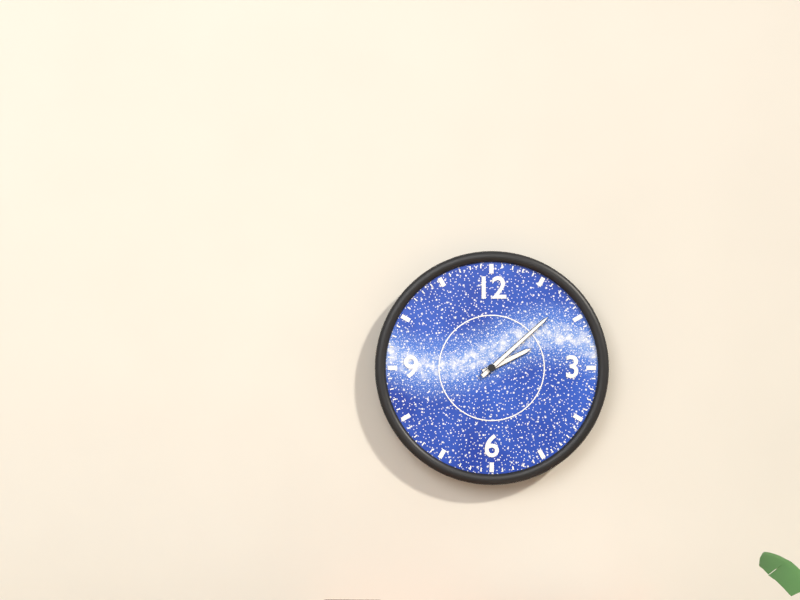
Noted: **2:08**
